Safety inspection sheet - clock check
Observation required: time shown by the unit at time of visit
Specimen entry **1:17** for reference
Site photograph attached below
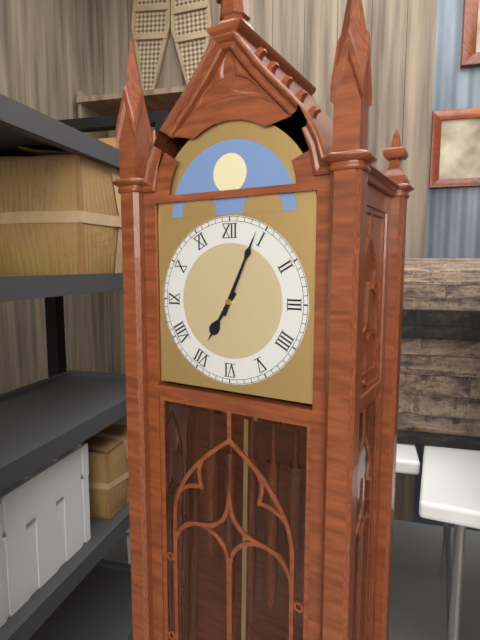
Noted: **7:04**
